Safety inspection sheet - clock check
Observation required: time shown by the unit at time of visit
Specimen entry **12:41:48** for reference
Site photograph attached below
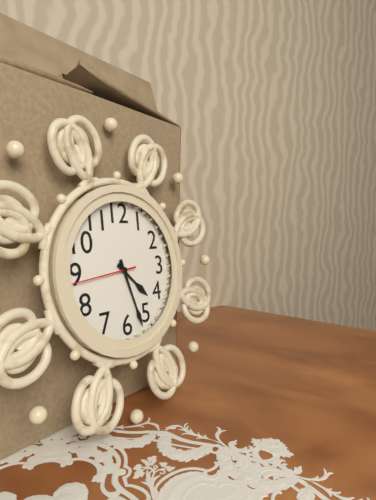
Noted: **4:27:44**
